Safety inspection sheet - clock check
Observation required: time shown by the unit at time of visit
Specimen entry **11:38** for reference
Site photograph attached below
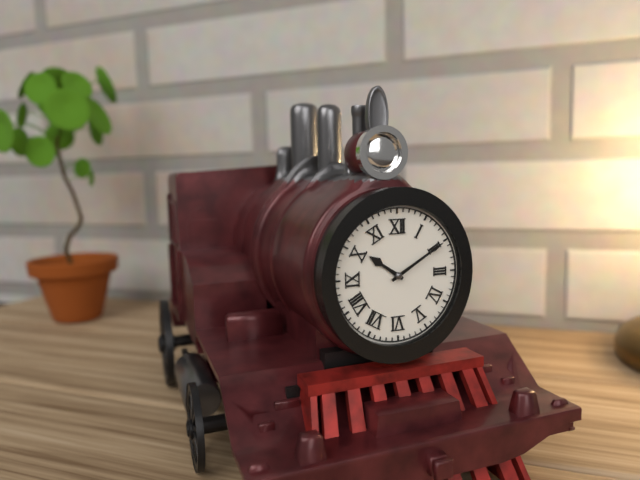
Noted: **10:10**
